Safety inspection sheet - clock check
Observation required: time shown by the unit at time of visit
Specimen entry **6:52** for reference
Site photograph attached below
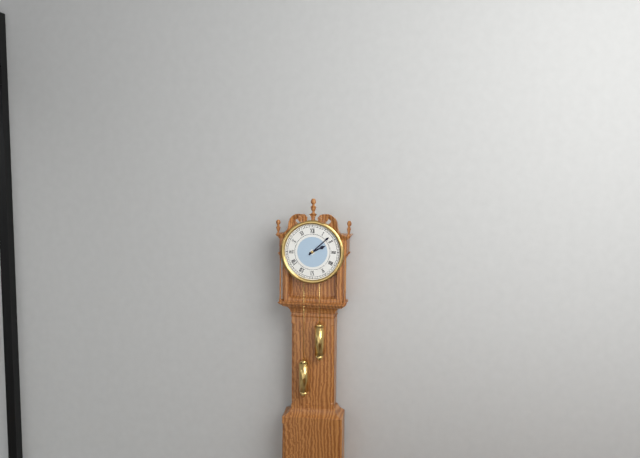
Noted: **2:08**
